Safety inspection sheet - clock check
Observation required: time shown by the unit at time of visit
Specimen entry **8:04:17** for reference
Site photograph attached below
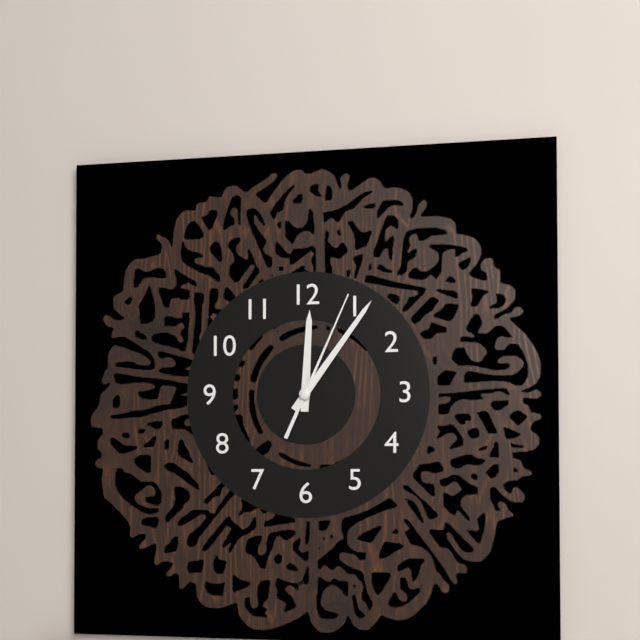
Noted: **12:06:04**
